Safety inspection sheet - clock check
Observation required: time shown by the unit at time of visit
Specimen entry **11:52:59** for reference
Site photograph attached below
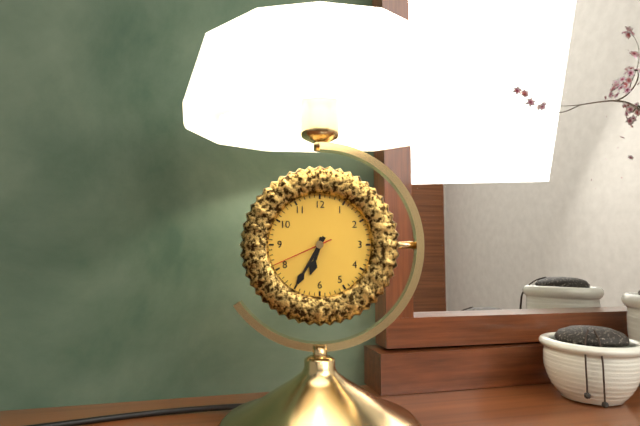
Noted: **6:35:41**
